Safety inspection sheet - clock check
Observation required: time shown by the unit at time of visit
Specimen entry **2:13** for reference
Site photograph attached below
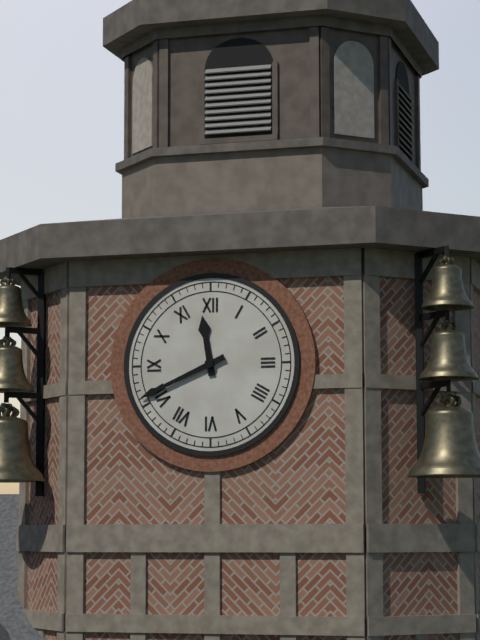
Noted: **11:41**
